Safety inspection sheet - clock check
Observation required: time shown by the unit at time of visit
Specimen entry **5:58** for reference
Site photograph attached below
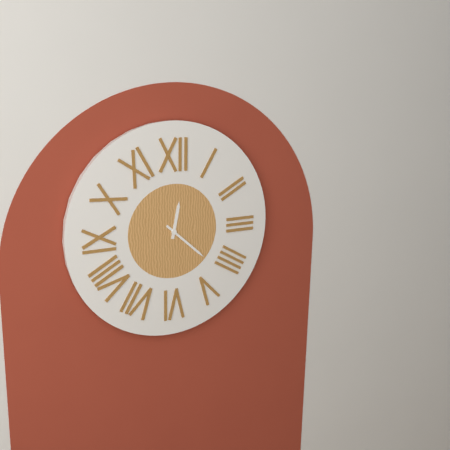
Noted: **12:22**
